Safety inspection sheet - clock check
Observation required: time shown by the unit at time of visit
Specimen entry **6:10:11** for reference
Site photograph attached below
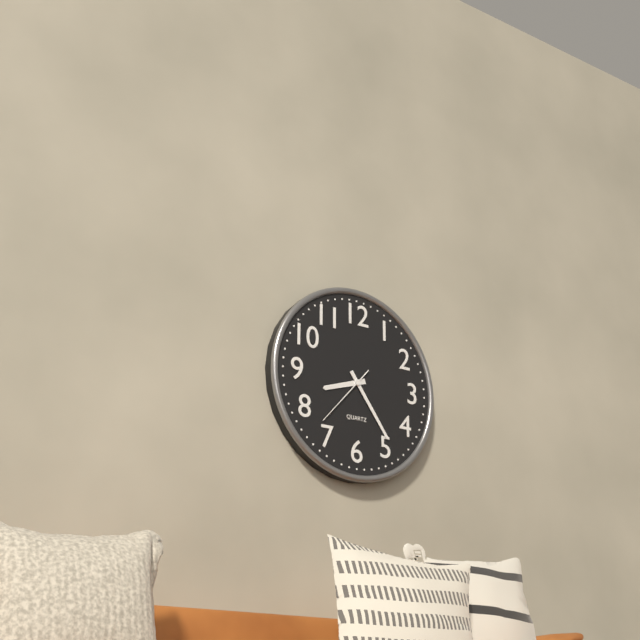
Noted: **8:24:37**
